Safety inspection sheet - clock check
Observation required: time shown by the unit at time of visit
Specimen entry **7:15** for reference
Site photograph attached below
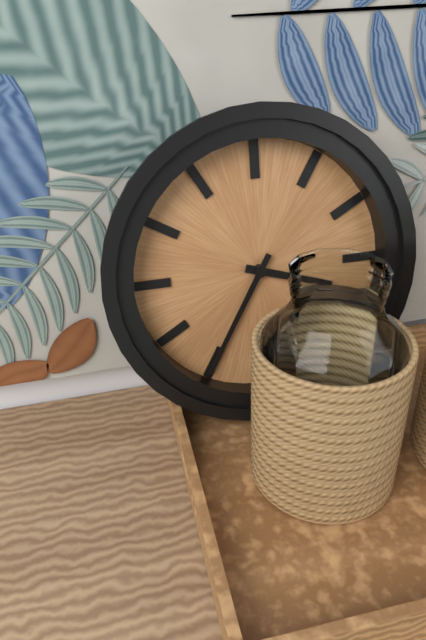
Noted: **3:35**
